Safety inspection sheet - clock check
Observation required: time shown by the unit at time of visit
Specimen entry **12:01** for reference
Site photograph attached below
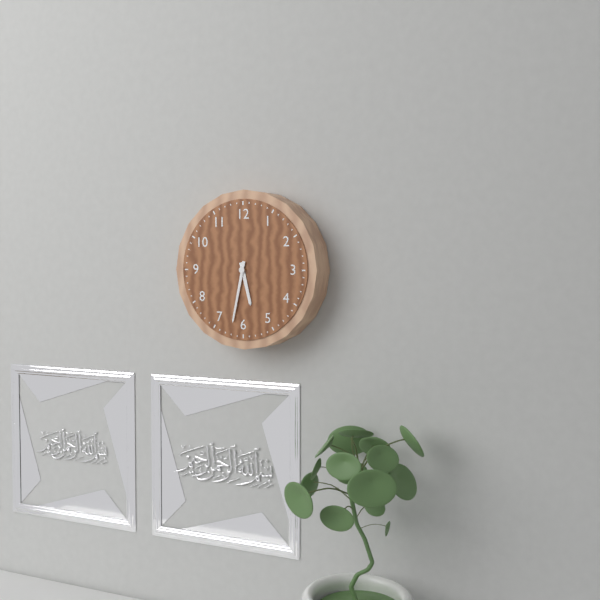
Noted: **5:32**
